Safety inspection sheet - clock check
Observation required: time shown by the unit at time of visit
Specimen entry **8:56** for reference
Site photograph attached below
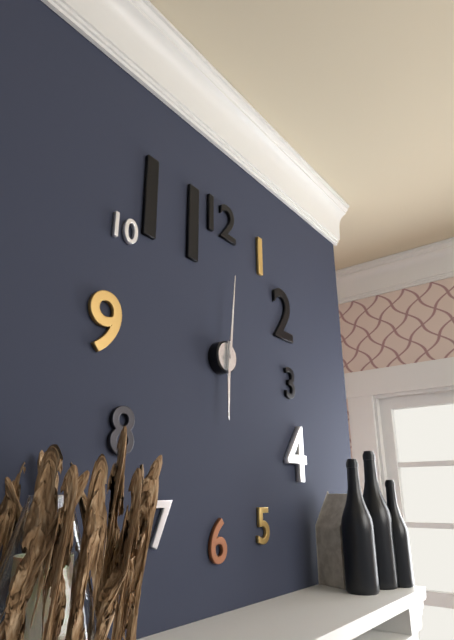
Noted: **6:01**
